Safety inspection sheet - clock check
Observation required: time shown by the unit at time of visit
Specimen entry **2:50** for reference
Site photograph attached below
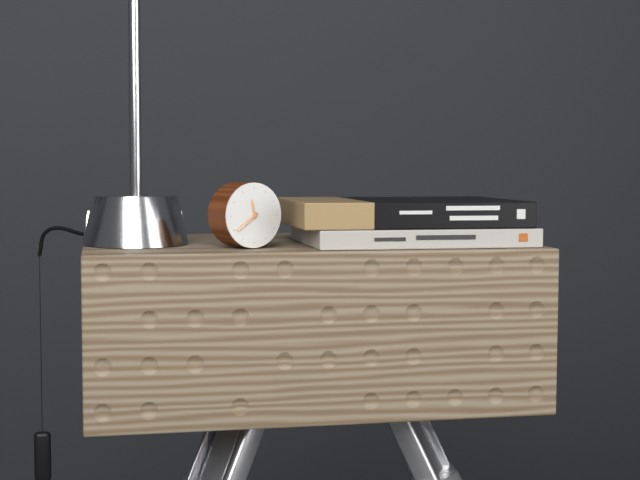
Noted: **11:39**
